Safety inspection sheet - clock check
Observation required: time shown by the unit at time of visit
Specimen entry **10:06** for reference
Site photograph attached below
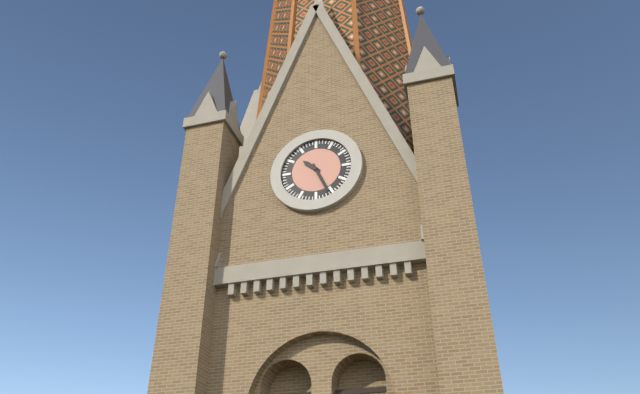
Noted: **10:26**
